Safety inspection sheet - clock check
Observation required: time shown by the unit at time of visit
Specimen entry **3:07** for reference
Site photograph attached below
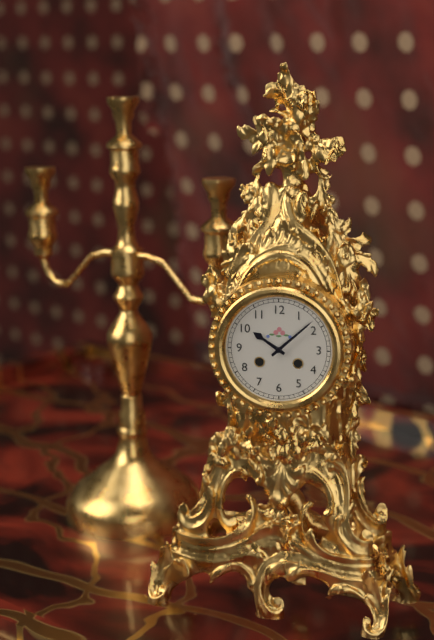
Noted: **10:08**
